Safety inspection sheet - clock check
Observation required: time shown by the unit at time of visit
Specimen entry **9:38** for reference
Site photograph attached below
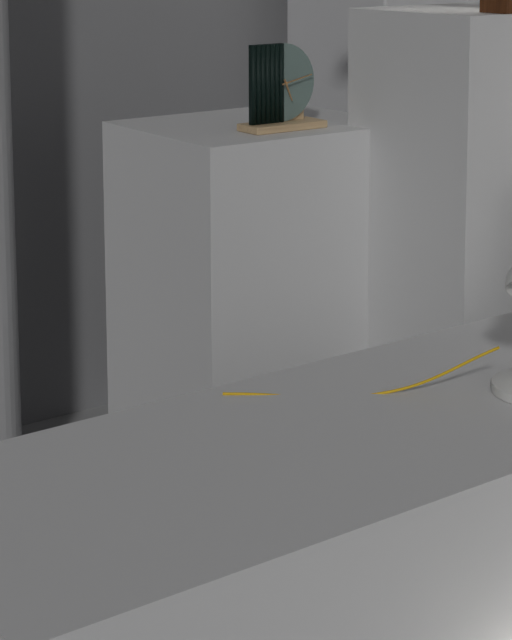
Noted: **5:13**
